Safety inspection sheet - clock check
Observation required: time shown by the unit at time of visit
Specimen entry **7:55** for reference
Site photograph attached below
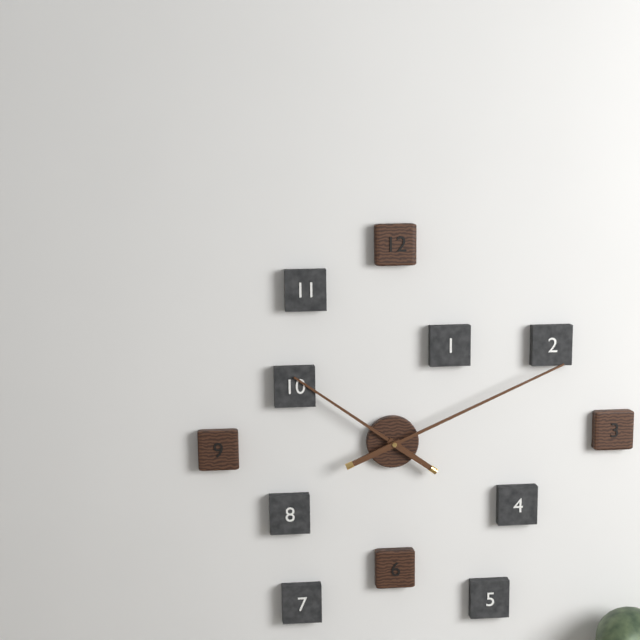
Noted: **10:11**
